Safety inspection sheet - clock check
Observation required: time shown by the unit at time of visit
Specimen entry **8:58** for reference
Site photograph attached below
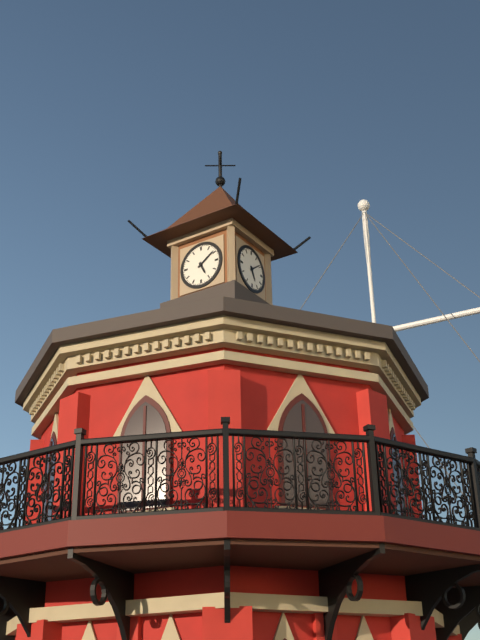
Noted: **5:09**
